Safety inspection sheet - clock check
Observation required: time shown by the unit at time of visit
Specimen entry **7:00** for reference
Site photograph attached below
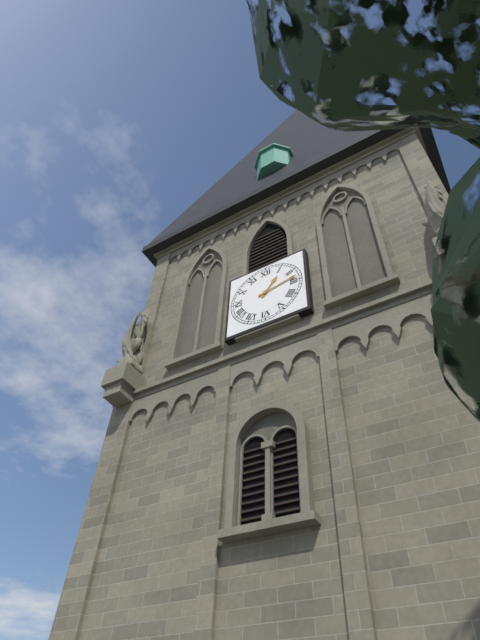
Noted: **1:13**
